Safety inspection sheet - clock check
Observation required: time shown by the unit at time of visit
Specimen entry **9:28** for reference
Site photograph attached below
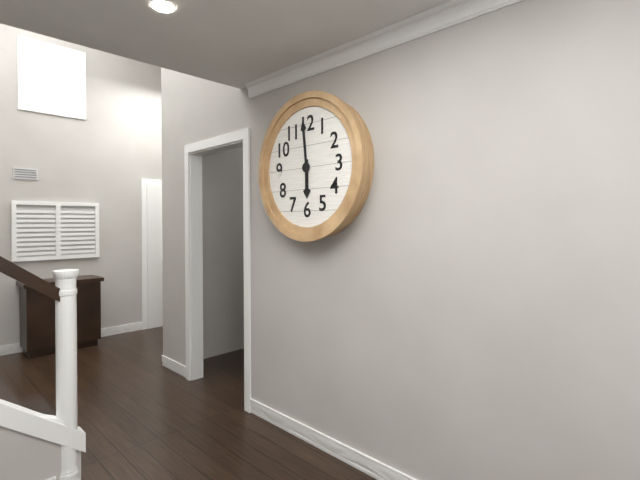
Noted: **5:59**
